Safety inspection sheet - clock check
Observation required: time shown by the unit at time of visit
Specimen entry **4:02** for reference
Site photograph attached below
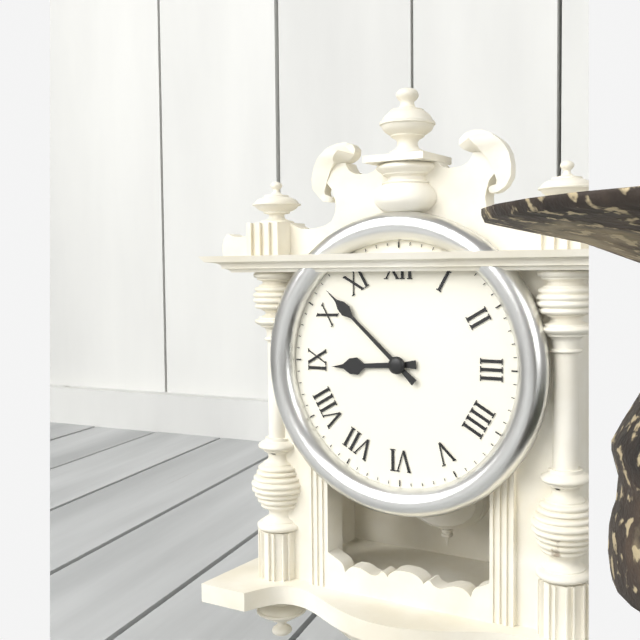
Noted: **8:52**
